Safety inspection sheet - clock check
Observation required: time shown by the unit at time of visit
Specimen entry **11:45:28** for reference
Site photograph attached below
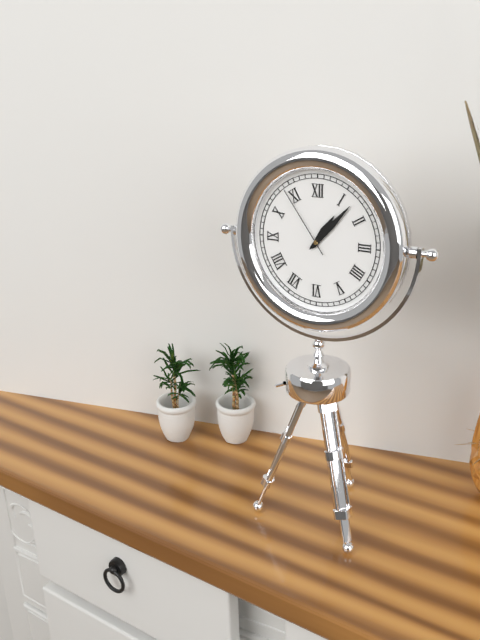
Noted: **1:07:54**
